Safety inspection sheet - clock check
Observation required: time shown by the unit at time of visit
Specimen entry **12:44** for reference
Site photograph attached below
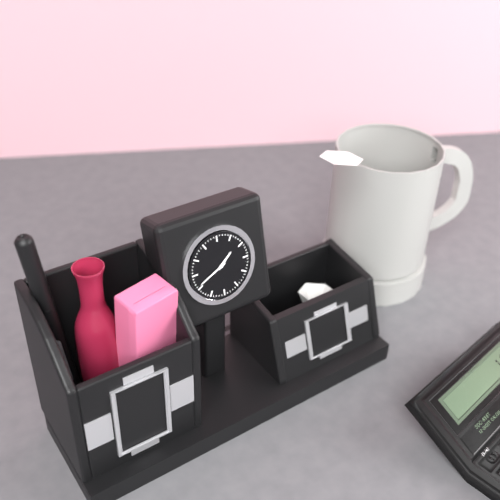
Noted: **1:41**
